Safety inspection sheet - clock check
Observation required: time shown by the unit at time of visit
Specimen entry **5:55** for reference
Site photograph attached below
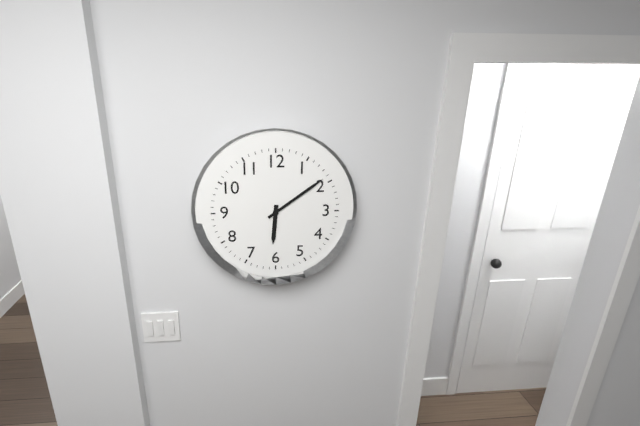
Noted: **6:09**
